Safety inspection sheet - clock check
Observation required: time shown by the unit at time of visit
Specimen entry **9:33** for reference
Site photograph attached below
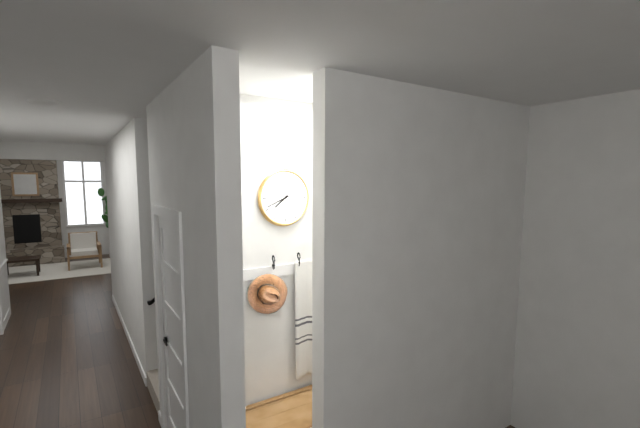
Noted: **7:41**
